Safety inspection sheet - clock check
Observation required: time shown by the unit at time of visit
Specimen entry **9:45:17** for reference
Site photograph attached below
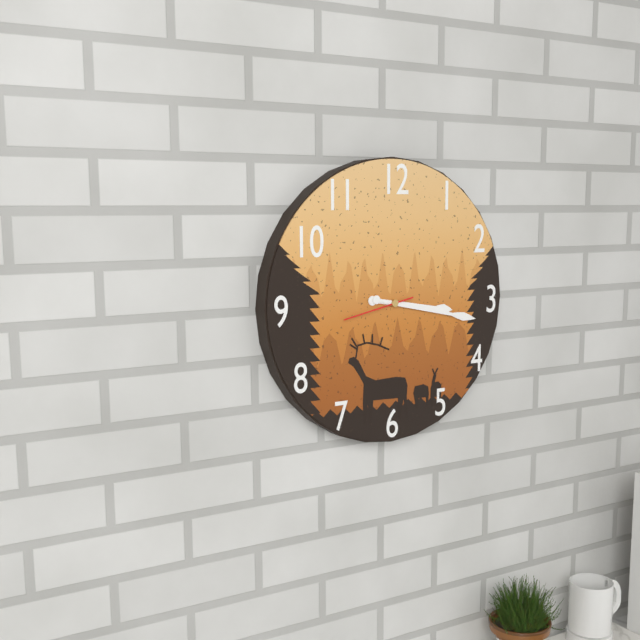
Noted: **3:17:43**
